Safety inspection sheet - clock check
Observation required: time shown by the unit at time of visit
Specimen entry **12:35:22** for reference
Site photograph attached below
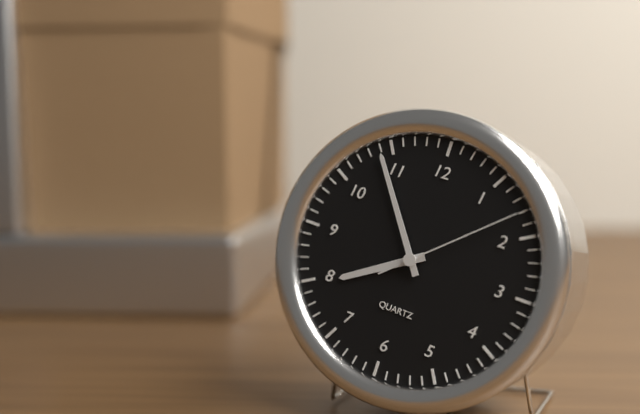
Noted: **7:54:08**
